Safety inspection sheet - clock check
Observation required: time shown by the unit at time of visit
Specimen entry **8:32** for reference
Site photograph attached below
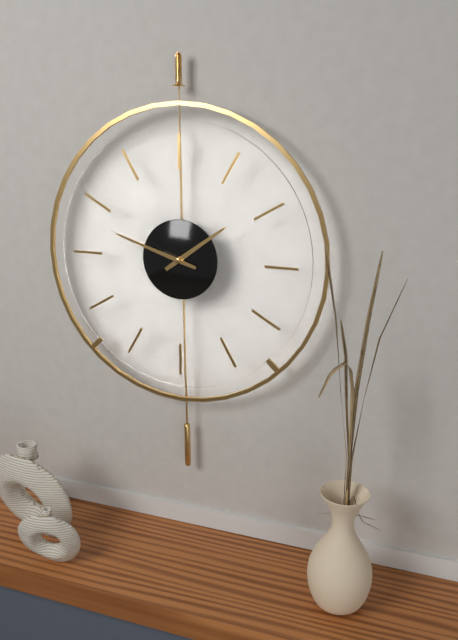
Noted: **1:48**
